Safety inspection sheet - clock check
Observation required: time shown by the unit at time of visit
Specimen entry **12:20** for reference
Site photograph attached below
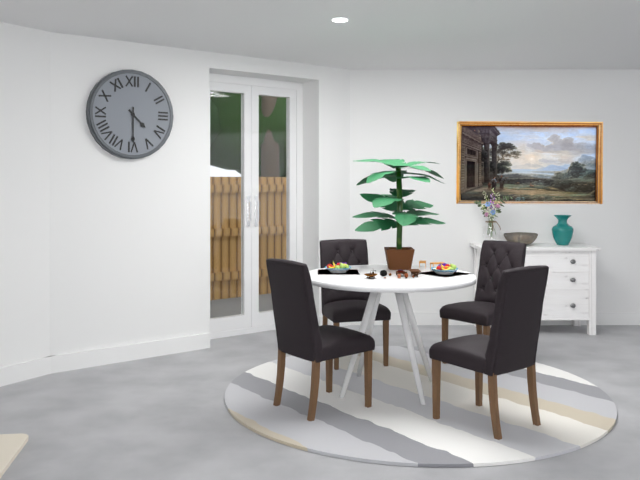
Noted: **4:30**
